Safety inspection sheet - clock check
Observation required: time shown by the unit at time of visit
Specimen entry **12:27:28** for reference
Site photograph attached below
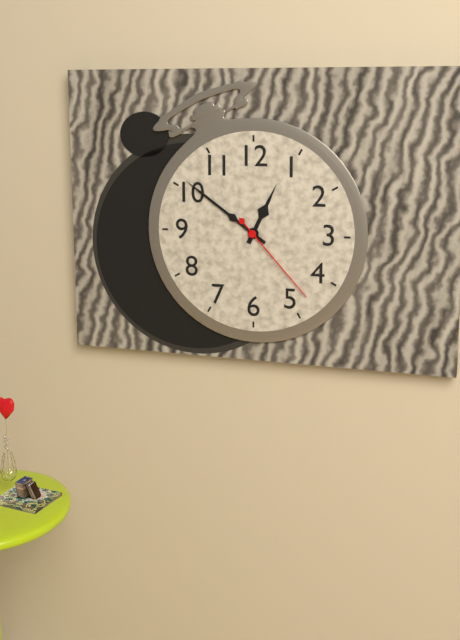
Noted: **12:51:23**
